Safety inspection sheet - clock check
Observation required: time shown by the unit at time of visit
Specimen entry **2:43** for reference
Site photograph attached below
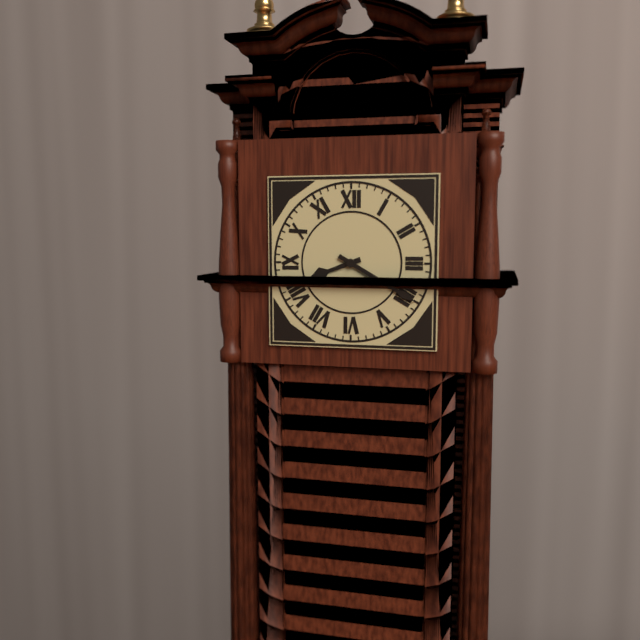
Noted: **8:20**
